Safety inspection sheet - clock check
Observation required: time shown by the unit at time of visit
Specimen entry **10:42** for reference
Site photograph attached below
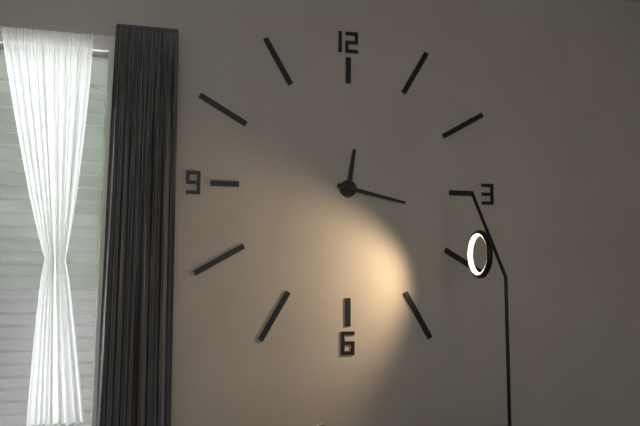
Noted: **12:17**
